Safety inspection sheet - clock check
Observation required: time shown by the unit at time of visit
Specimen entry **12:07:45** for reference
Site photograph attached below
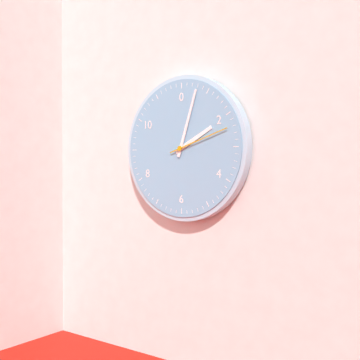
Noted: **2:03:12**
